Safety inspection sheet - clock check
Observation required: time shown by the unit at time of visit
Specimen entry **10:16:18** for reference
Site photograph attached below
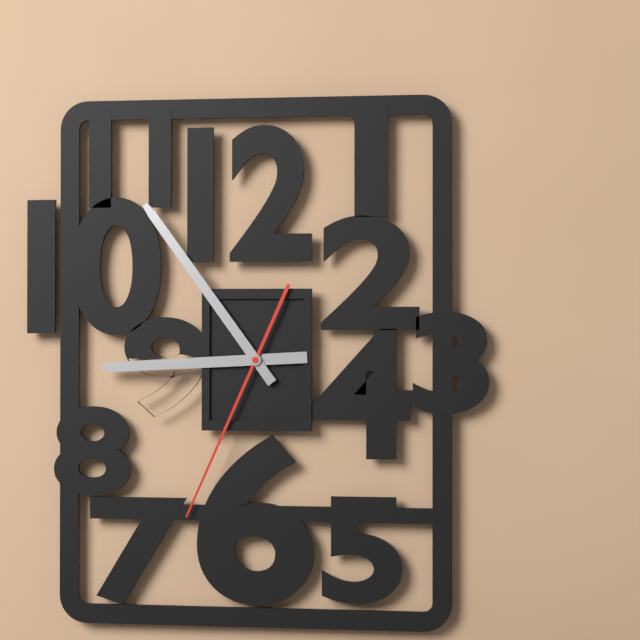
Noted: **8:54:34**
